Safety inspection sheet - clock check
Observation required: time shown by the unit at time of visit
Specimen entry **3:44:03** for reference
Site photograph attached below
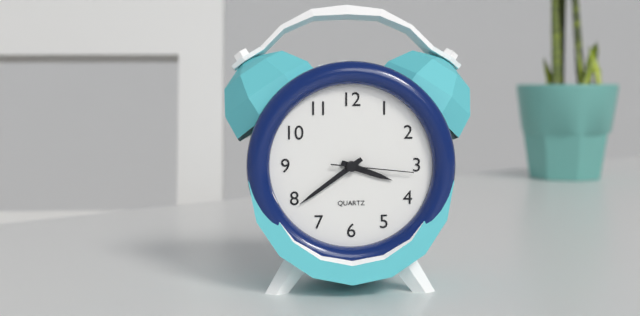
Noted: **3:39:16**
